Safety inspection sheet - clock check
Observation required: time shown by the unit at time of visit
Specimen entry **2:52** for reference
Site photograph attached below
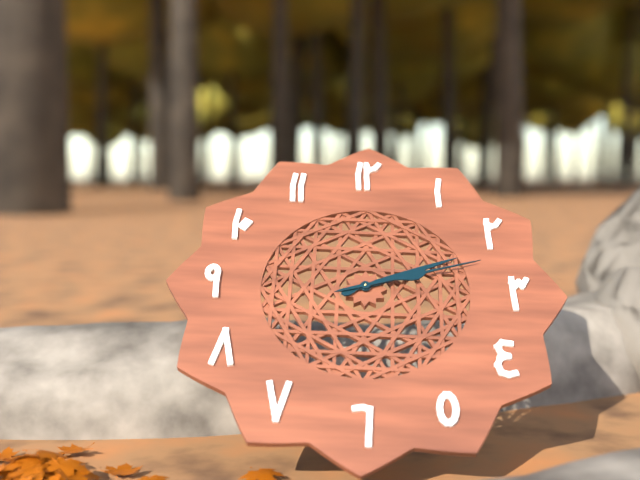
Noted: **2:12**
